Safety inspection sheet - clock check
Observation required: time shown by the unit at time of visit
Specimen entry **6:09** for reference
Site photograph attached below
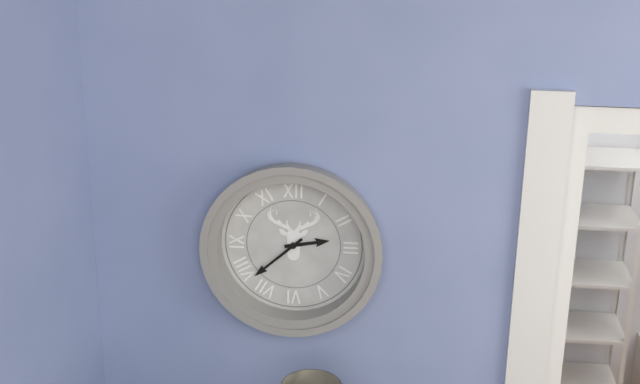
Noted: **2:38**
